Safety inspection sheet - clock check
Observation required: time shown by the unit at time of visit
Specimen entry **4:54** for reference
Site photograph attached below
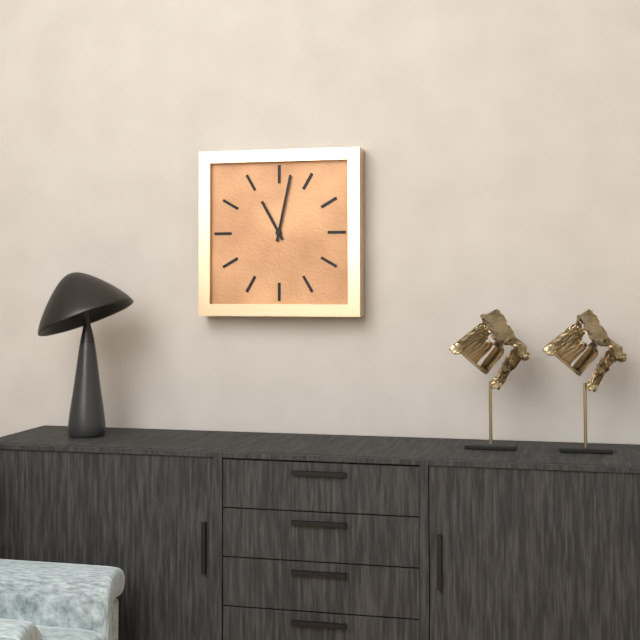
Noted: **11:02**
